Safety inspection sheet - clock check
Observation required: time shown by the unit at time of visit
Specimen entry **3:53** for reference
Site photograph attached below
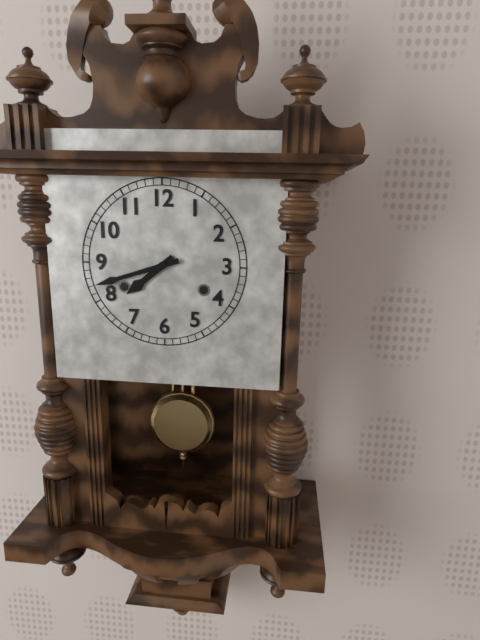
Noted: **7:42**
